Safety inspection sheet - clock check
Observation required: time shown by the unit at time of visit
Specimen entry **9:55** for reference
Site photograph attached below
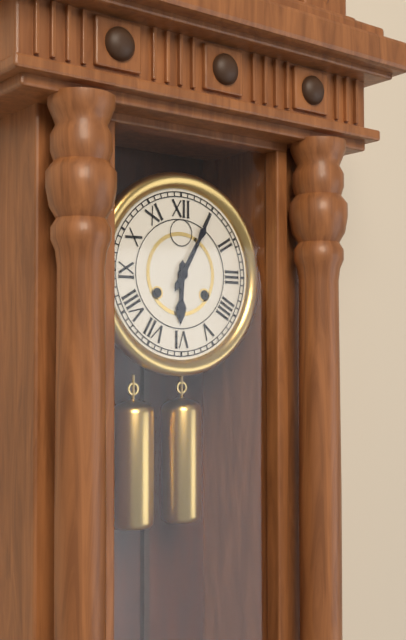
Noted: **6:05**
